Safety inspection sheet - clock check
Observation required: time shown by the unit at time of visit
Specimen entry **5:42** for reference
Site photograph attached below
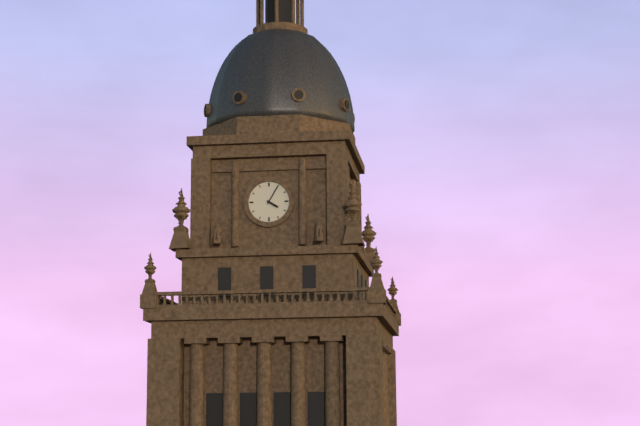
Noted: **4:05**
